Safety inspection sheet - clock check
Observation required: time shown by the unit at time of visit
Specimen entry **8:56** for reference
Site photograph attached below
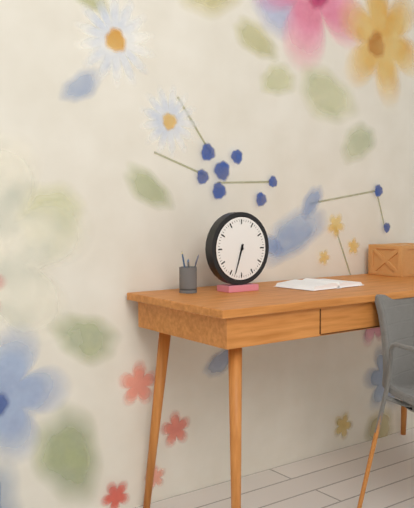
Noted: **6:33**
